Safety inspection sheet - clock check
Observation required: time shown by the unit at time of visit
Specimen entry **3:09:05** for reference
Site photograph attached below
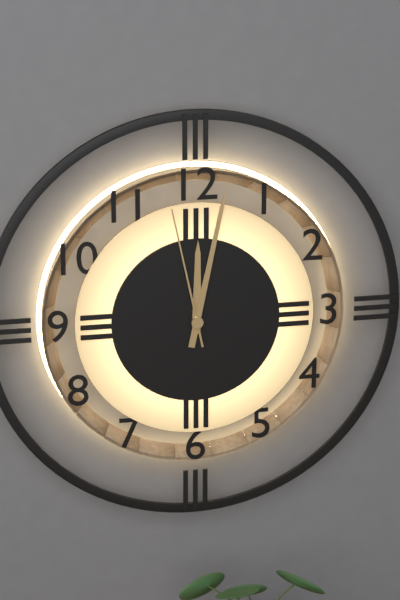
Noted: **12:02:58**
